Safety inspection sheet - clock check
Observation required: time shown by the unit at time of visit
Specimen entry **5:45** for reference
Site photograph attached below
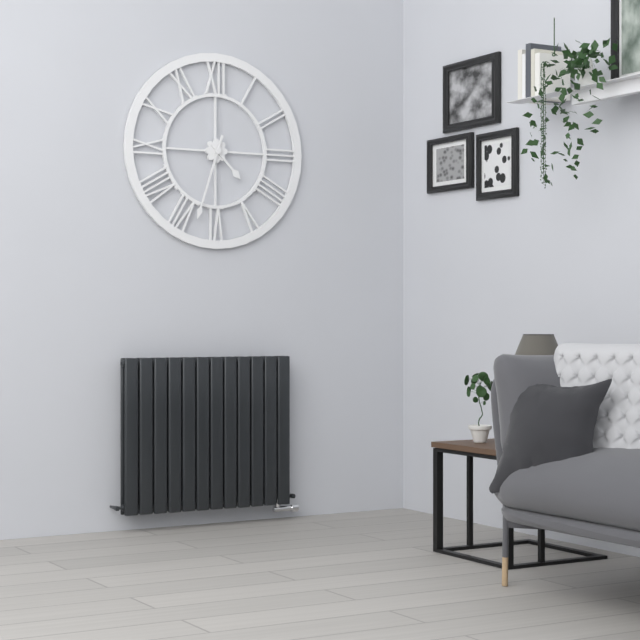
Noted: **4:33**
